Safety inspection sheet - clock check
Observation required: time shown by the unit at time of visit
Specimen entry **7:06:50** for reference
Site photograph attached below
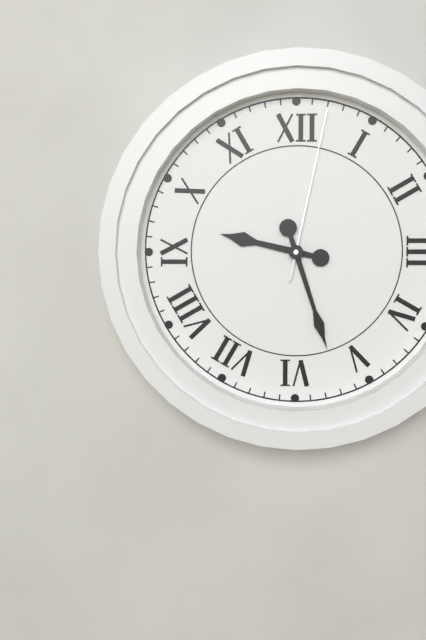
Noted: **9:27:02**
